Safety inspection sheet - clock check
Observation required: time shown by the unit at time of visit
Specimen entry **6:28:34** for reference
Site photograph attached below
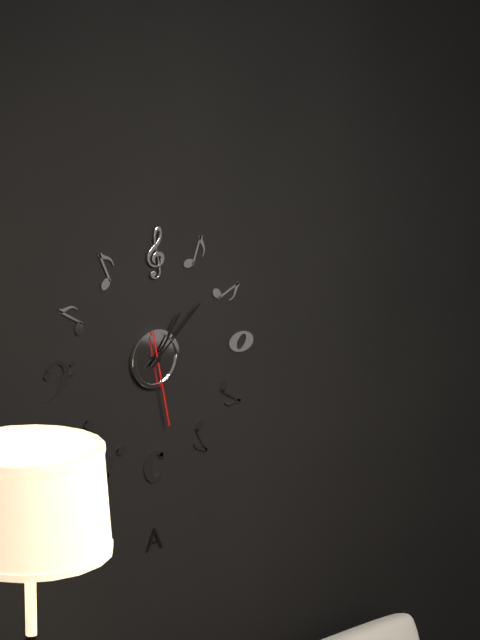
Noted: **1:08:28**
